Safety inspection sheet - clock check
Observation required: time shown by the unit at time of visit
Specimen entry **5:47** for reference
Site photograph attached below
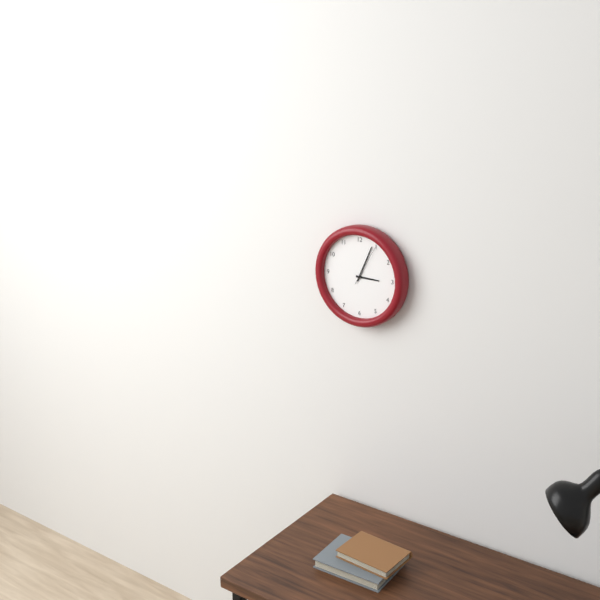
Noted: **3:04**
